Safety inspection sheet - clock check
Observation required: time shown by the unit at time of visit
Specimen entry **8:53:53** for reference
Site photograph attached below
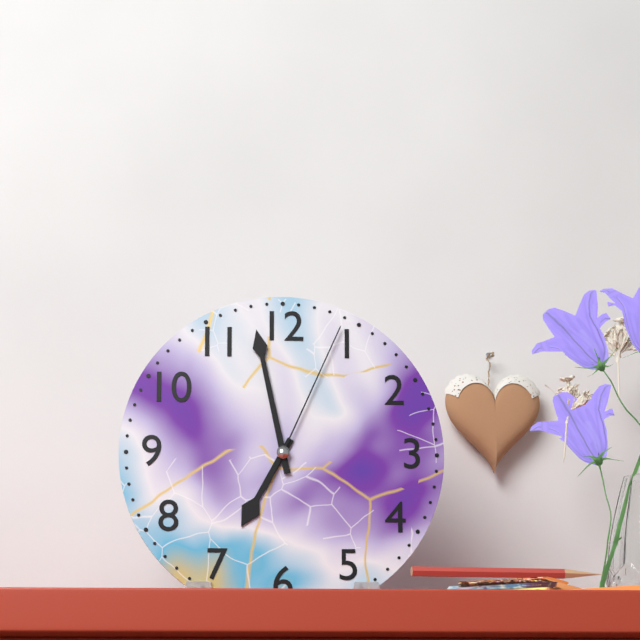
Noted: **6:58:04**
